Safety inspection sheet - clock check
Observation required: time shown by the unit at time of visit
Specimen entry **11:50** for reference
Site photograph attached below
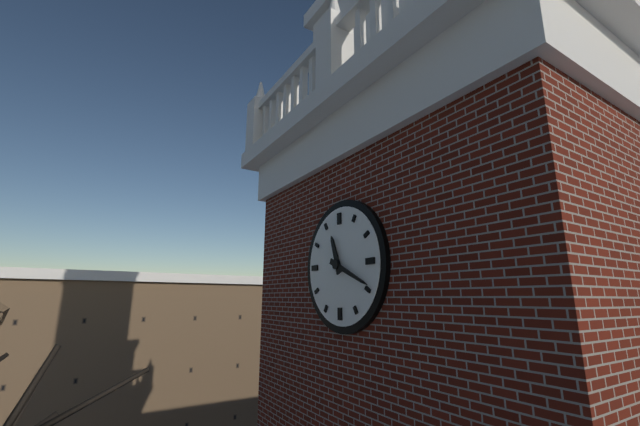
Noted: **11:19**
